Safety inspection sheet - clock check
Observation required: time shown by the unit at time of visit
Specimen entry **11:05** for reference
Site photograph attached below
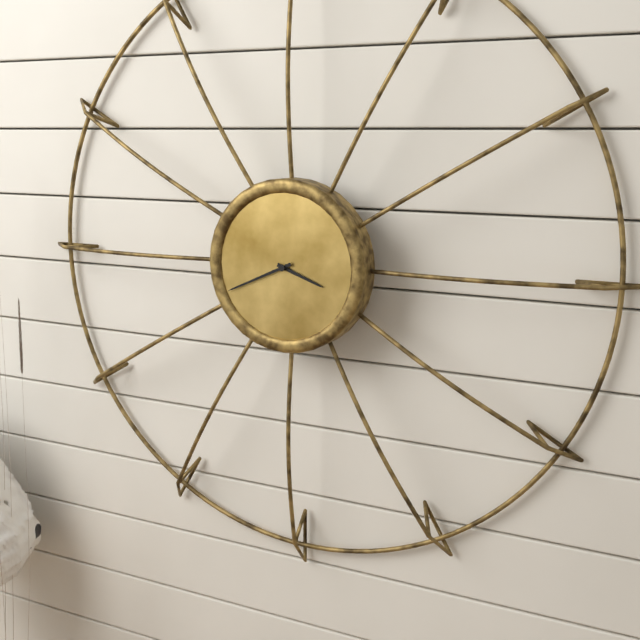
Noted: **3:41**
